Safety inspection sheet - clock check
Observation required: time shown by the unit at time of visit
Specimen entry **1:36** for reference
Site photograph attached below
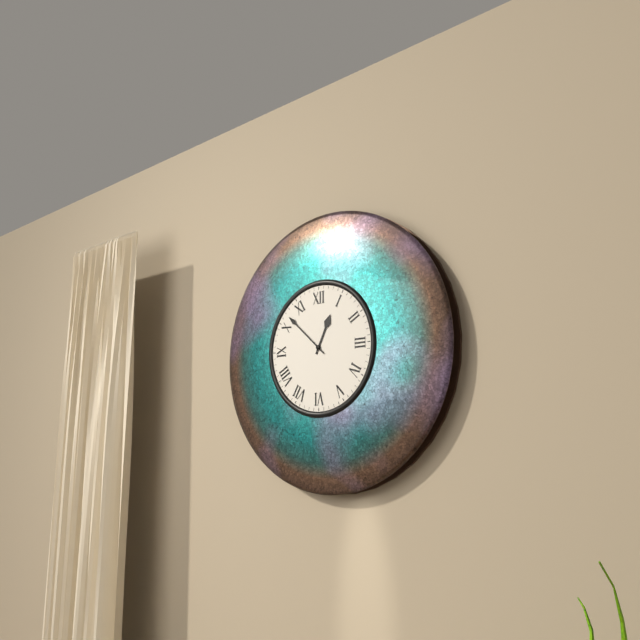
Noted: **12:52**
